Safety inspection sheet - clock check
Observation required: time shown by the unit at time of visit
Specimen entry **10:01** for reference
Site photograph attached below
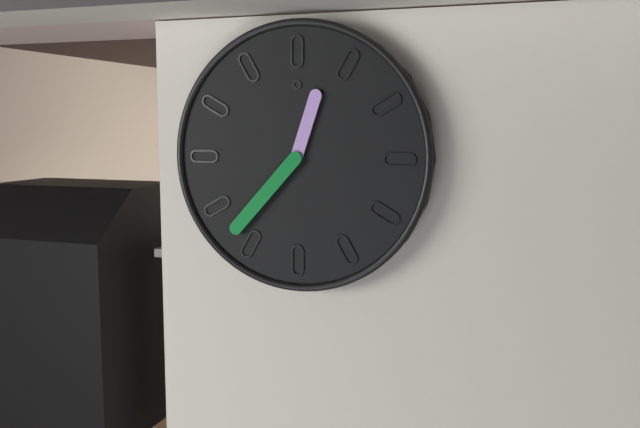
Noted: **12:37**
